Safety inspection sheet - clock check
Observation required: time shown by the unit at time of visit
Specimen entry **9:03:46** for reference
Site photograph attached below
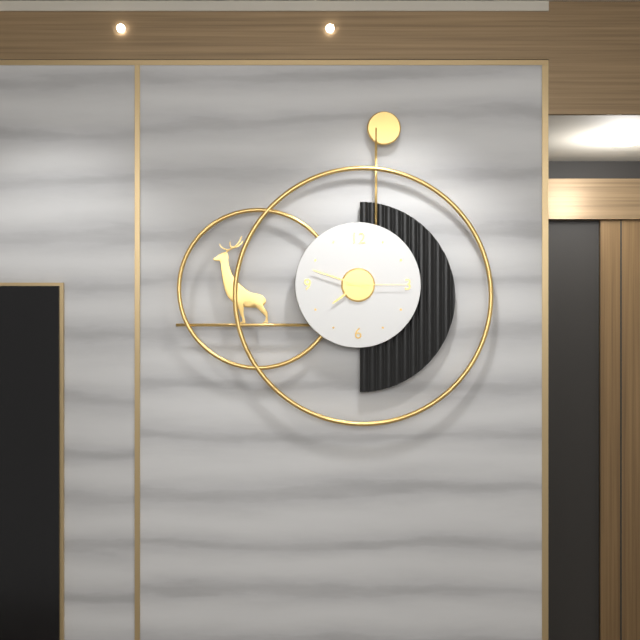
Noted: **7:48:15**
